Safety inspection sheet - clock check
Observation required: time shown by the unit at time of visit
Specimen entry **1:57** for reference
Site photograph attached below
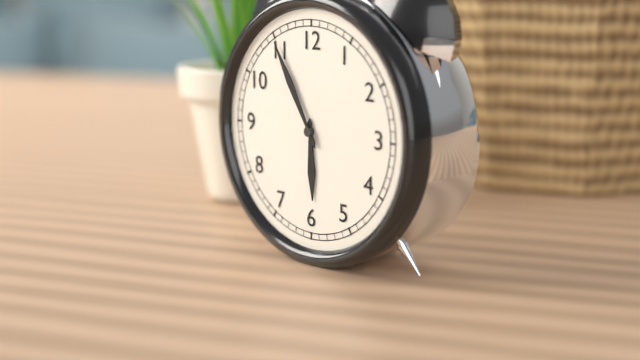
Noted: **5:55**
